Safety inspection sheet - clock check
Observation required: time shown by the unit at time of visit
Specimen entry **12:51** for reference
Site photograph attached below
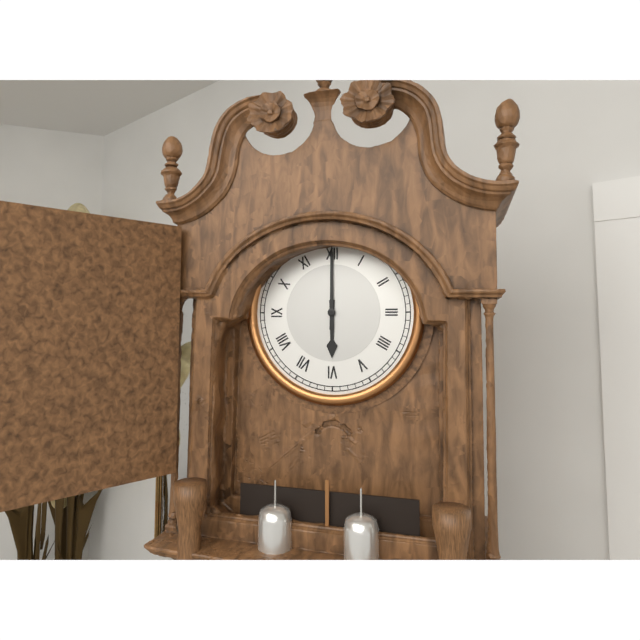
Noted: **6:00**
